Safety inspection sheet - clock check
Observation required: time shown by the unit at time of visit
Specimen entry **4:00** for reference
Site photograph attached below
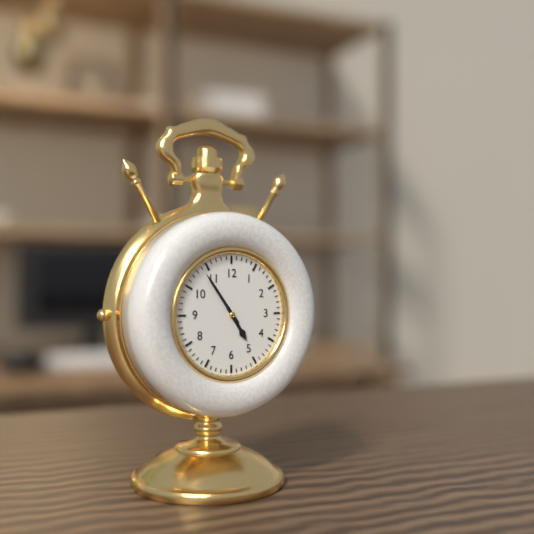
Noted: **4:54**
